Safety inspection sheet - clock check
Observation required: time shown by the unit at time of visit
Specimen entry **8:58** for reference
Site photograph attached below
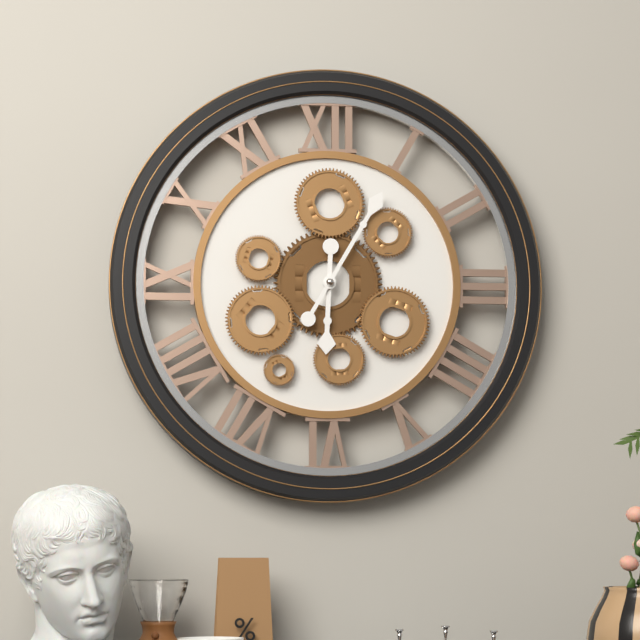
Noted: **6:05**
